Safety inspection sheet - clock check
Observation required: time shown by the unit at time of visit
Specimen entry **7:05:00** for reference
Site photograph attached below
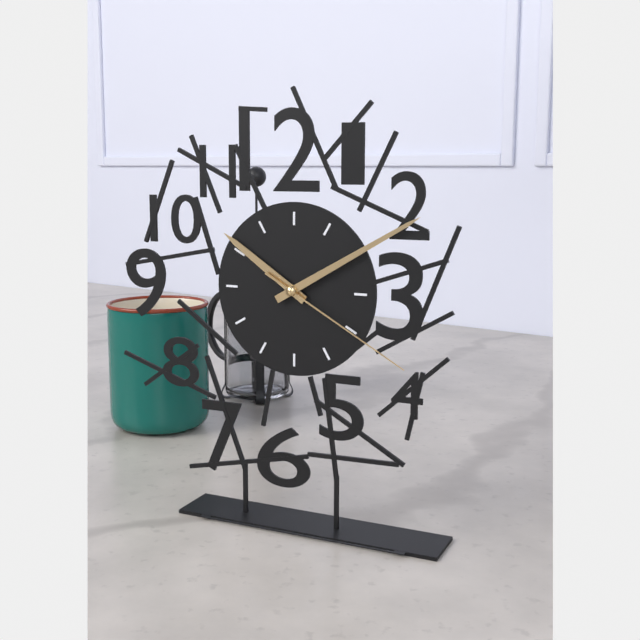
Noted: **10:10:20**
